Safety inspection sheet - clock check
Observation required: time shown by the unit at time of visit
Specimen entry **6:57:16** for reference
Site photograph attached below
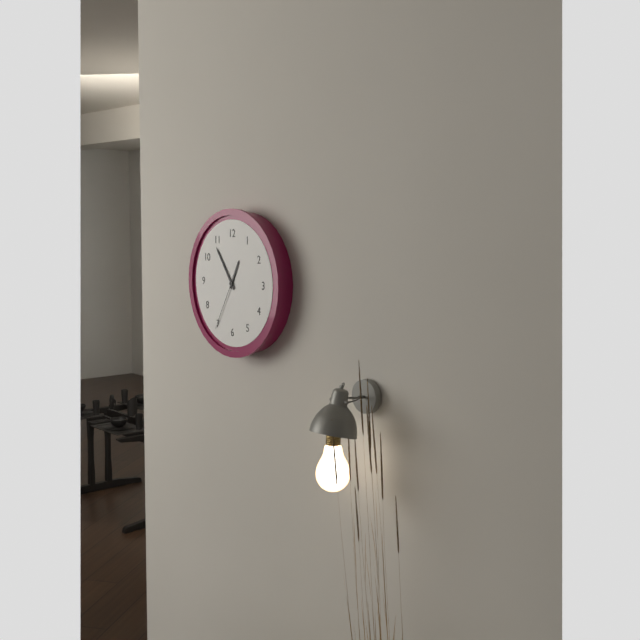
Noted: **12:54:35**
